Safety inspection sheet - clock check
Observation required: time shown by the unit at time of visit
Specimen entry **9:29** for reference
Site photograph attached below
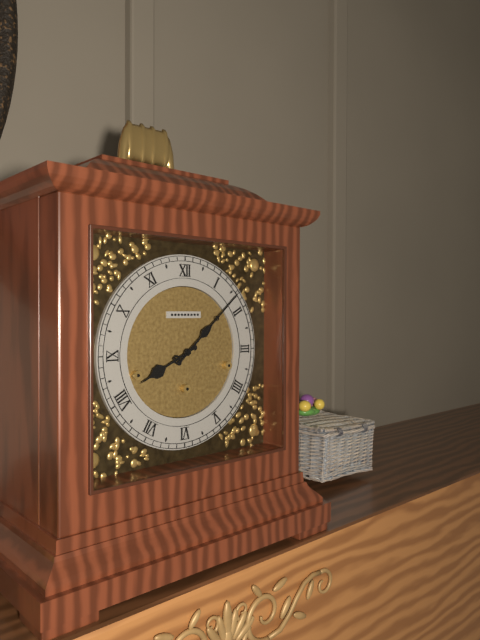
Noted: **8:08**
